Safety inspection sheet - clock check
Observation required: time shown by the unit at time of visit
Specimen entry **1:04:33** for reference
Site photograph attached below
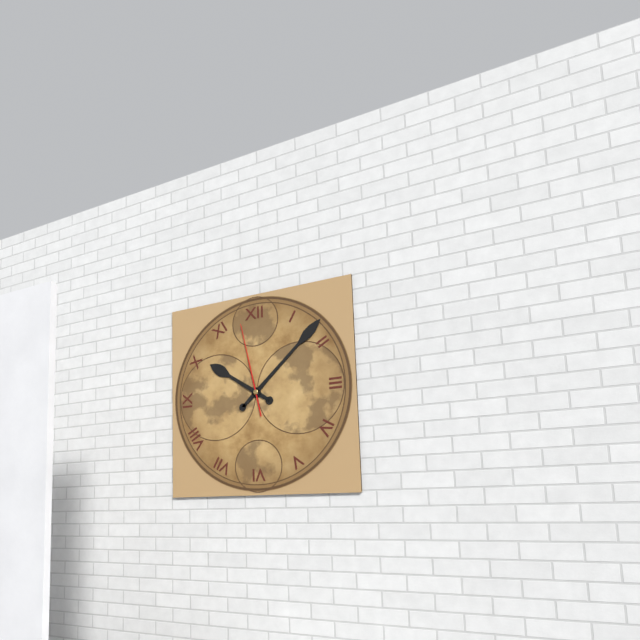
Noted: **10:08:58**
